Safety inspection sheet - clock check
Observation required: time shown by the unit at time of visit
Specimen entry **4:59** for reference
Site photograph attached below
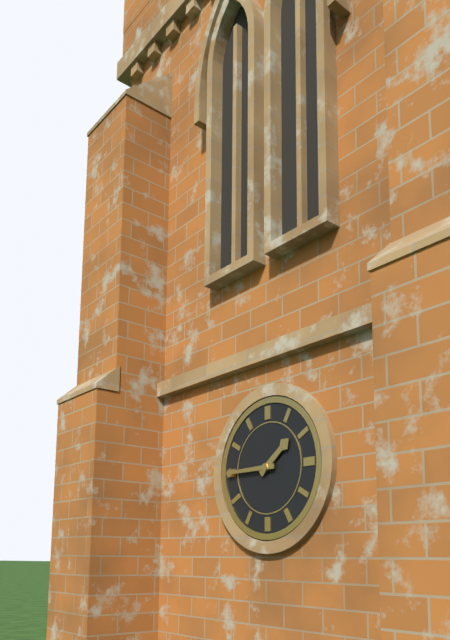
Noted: **1:45**
